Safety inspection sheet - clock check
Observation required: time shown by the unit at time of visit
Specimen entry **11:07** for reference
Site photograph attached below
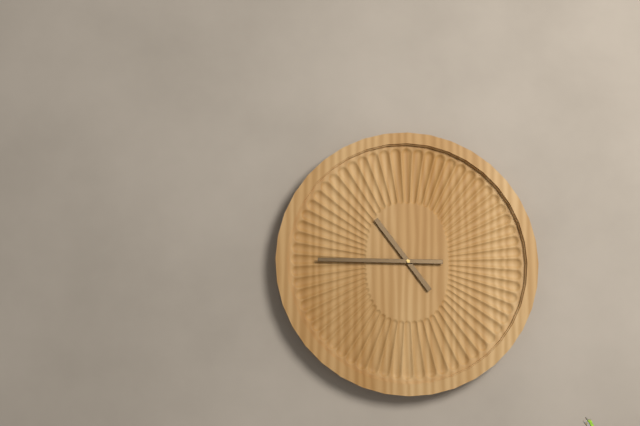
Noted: **10:45**
